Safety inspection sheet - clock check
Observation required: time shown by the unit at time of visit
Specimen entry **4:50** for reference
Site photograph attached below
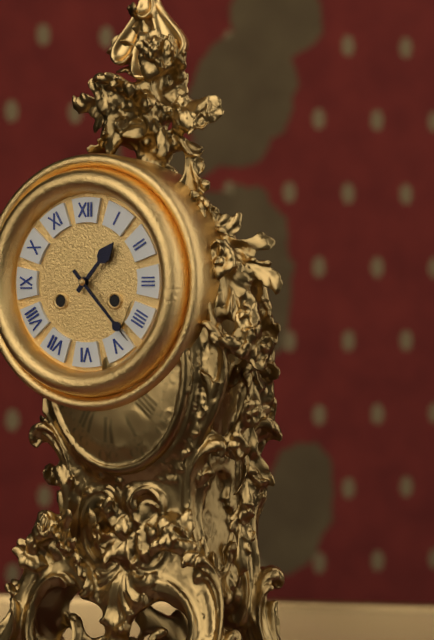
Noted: **1:23**
